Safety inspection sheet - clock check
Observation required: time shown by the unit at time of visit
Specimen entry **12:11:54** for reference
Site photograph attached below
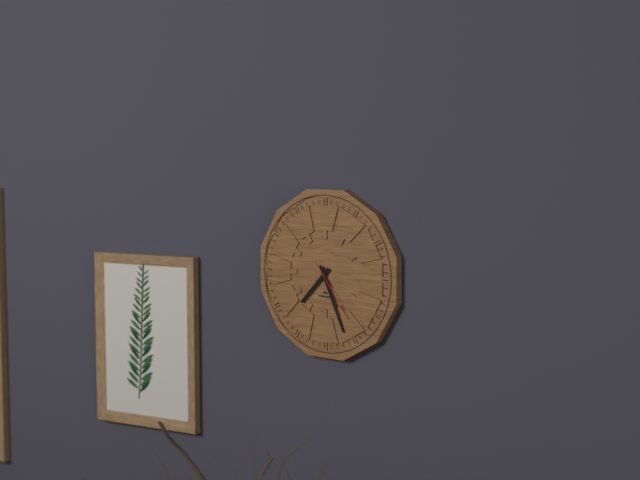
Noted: **7:26:24**
